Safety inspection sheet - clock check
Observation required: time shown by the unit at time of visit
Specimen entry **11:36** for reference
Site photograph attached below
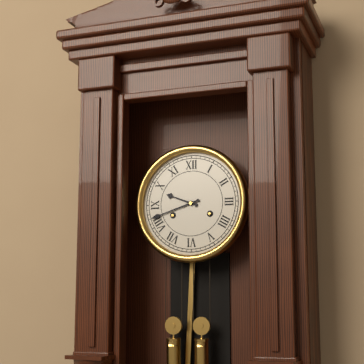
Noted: **9:42**
